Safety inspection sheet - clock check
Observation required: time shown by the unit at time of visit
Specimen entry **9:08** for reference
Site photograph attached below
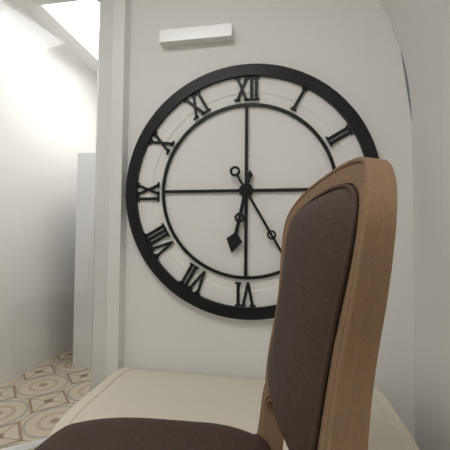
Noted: **6:25**
